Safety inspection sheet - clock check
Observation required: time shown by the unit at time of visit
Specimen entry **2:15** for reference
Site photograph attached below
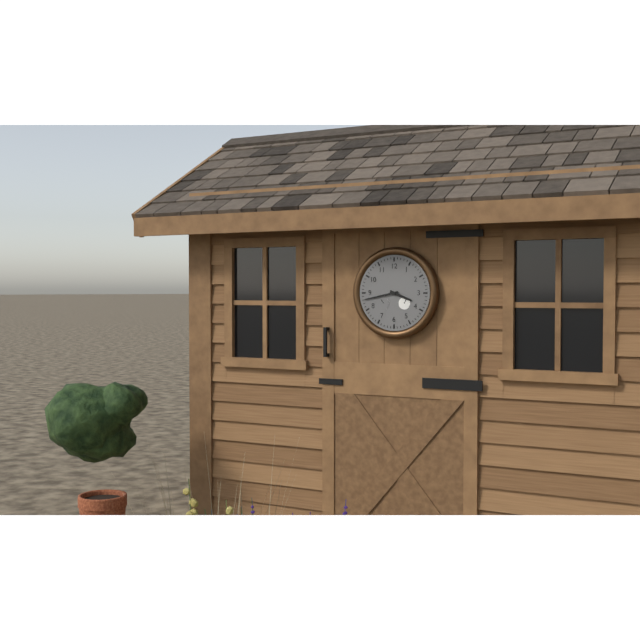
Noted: **3:43**
